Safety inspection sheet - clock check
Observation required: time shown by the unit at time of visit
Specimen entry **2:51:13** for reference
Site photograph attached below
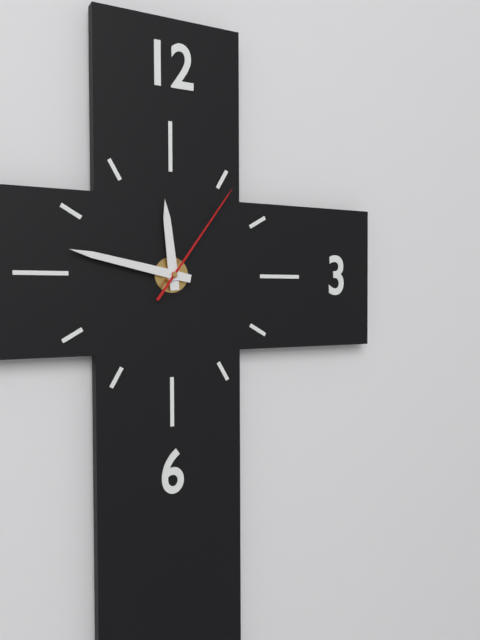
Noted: **11:47:06**
